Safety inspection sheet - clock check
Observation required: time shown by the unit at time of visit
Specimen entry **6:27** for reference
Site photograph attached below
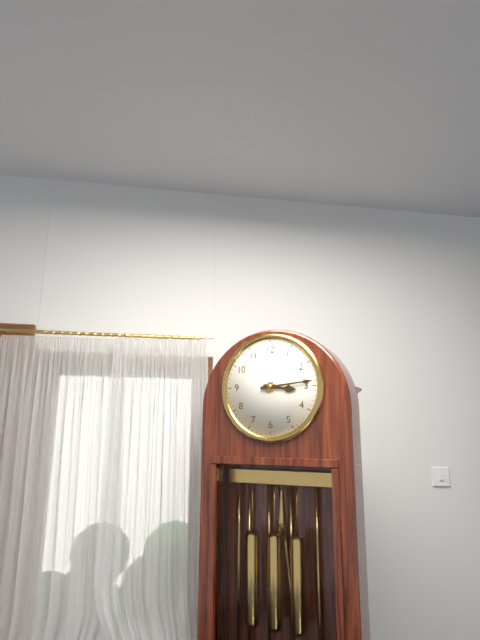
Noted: **3:14**
